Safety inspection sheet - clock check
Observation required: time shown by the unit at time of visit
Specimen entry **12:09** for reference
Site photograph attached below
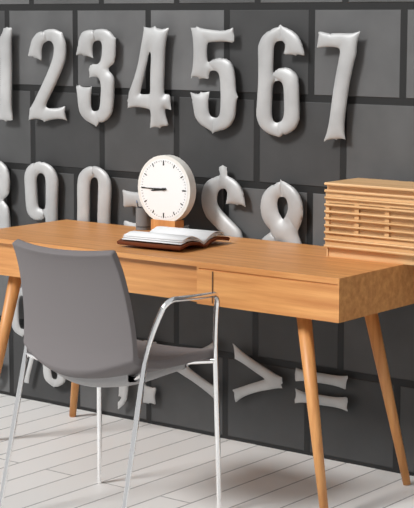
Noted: **8:45**
